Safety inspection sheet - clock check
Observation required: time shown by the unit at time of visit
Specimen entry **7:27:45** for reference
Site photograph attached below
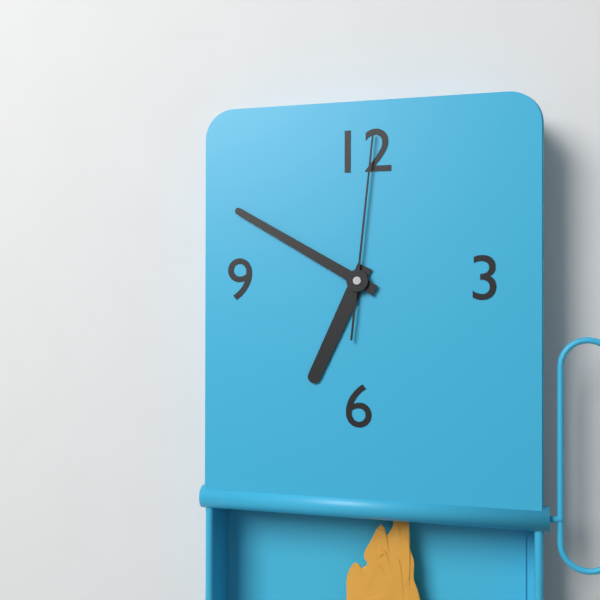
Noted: **6:50:01**
